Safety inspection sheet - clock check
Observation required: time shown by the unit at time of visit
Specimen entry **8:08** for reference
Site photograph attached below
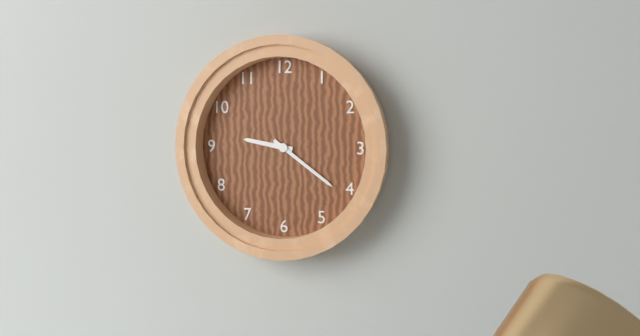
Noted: **9:21**
